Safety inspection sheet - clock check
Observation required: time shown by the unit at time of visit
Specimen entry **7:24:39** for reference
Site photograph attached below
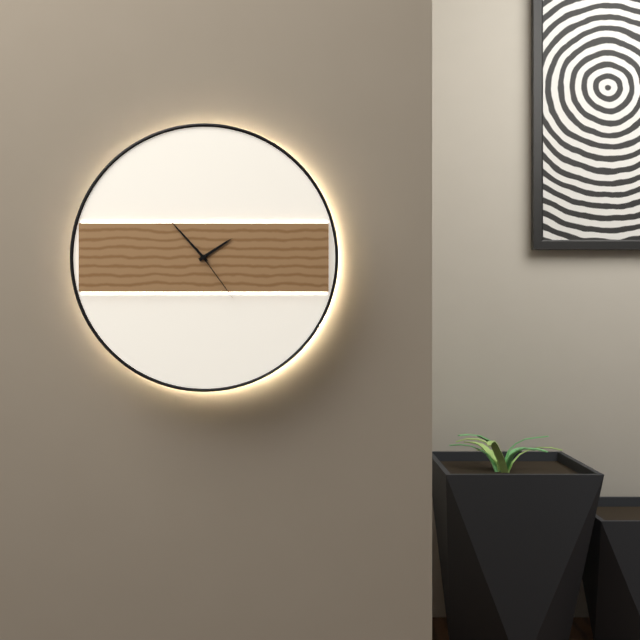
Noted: **1:53:24**
